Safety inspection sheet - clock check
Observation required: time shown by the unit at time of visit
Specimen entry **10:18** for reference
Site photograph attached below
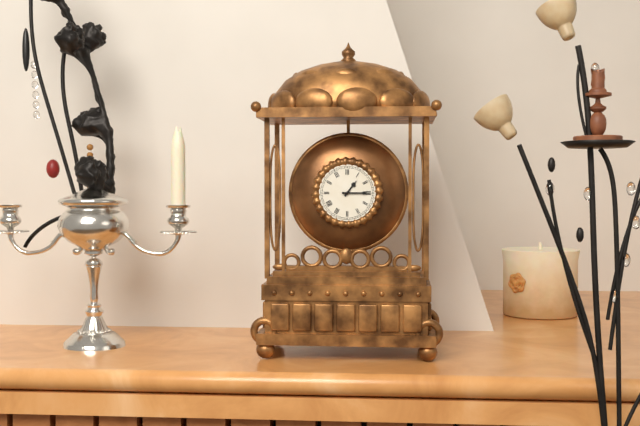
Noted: **1:15**
